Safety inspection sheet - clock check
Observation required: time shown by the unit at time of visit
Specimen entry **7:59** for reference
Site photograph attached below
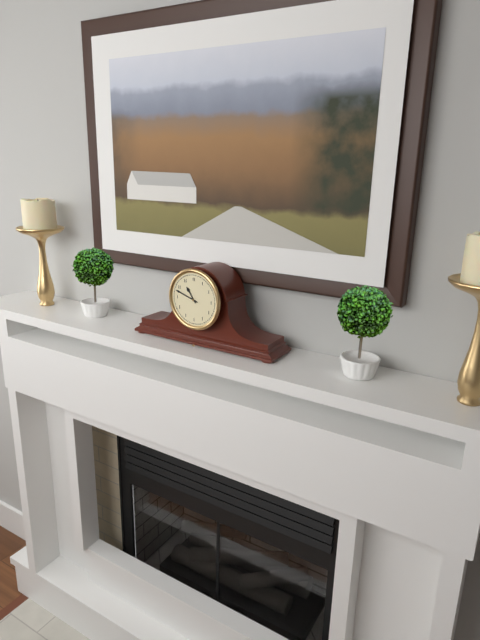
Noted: **10:48**
